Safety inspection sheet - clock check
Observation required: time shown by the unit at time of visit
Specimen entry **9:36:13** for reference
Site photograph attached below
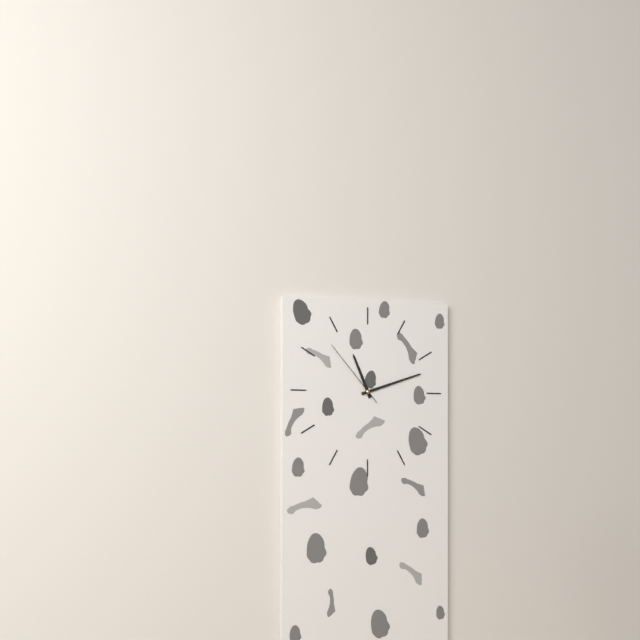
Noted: **11:12:53**
